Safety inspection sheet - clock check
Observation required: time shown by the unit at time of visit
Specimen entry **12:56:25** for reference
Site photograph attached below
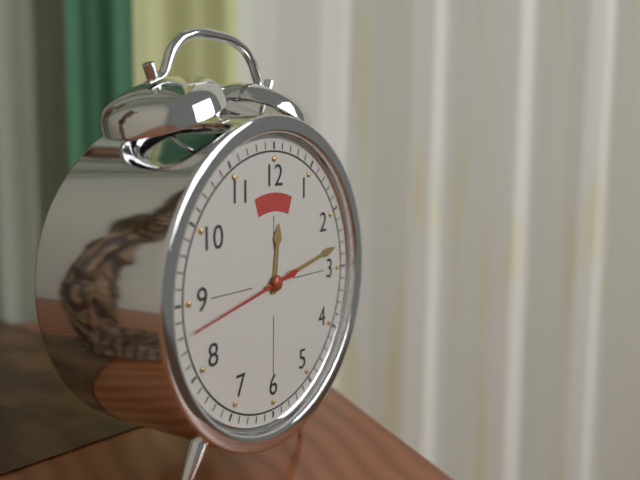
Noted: **12:13:43**
